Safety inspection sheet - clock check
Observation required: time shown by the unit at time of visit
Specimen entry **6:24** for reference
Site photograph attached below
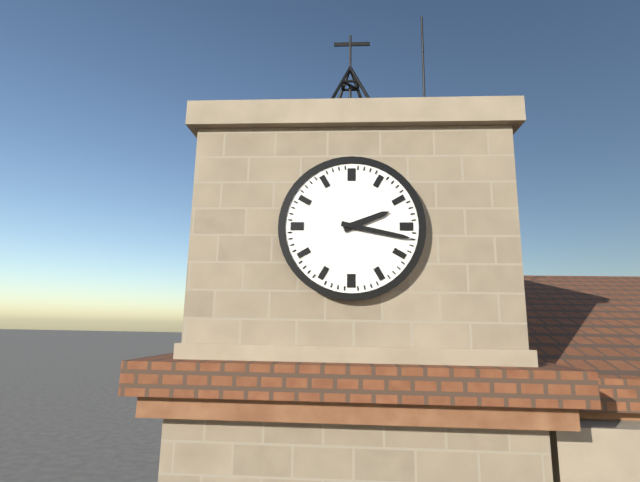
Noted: **2:17**
